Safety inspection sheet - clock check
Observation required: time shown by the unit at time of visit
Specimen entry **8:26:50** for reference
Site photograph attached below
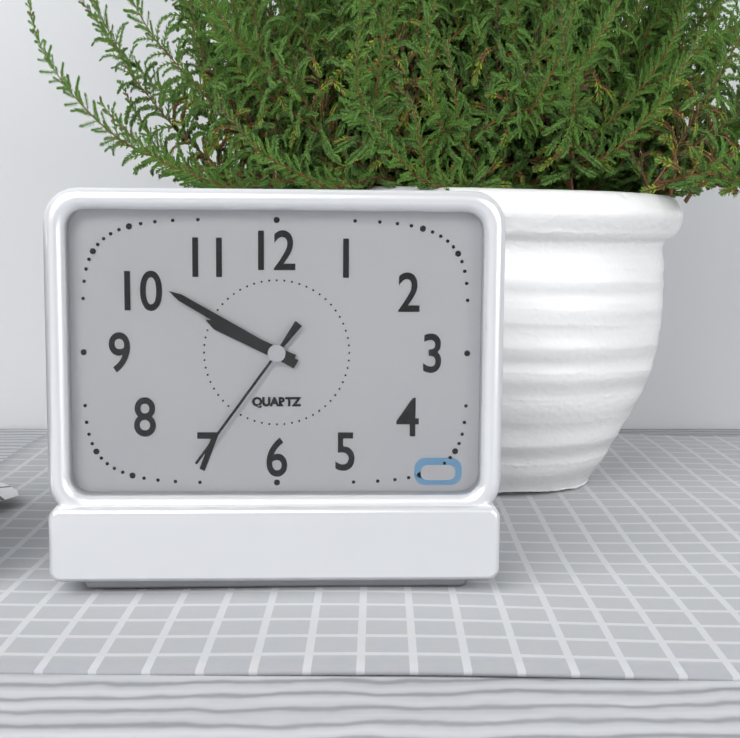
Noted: **9:50:36**
